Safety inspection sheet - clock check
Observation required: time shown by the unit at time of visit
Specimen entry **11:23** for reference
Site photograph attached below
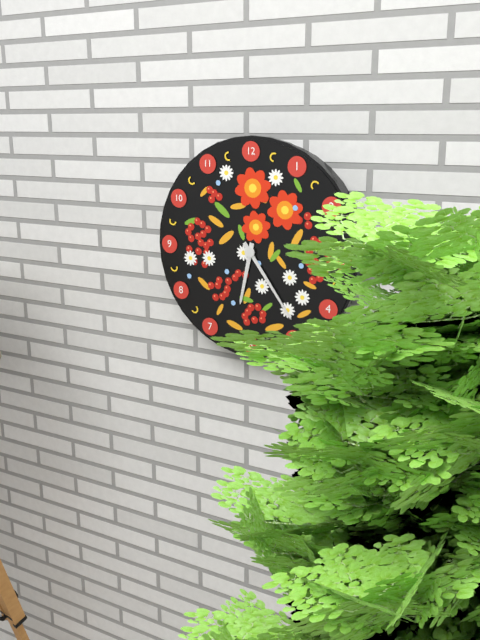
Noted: **6:24**
